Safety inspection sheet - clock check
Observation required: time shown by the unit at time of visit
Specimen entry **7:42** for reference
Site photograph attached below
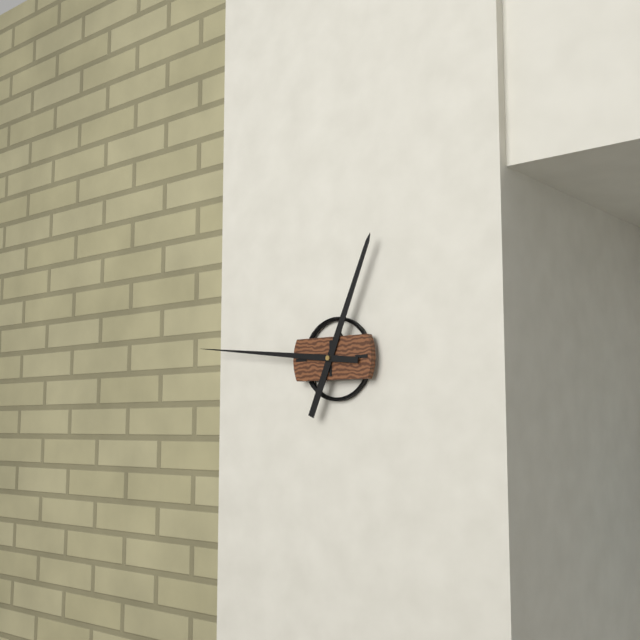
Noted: **12:46**
